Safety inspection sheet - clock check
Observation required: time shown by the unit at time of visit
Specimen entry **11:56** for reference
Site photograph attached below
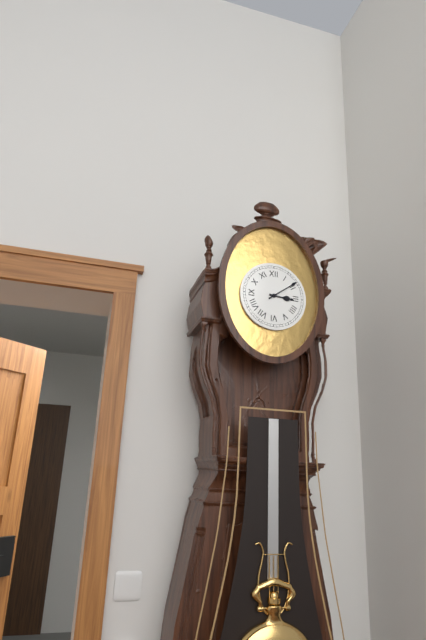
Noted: **3:09**
